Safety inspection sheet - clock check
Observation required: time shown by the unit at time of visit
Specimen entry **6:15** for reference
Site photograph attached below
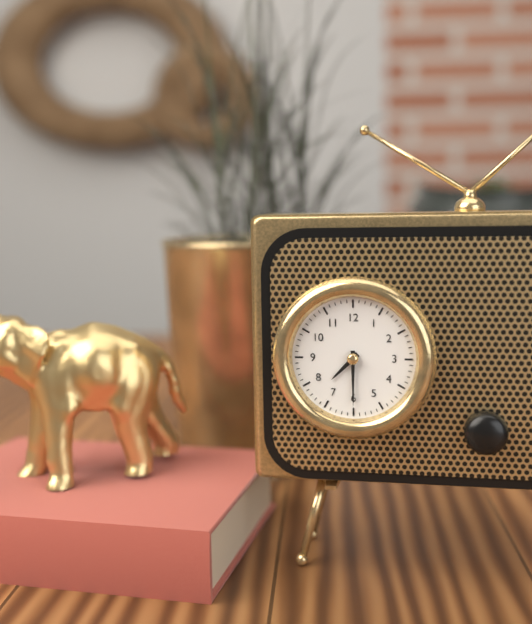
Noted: **7:30**
